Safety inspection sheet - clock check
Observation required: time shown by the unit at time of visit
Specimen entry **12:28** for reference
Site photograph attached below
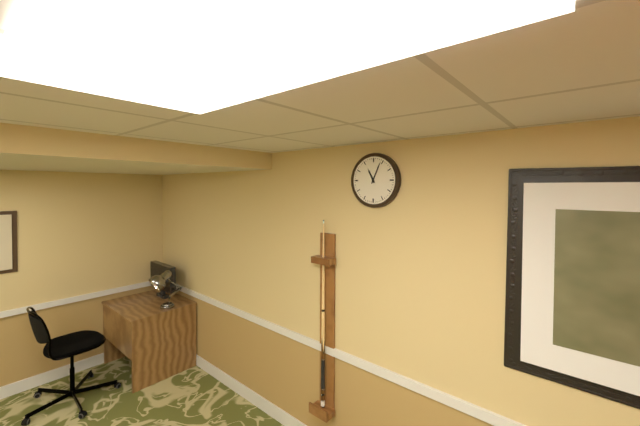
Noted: **11:04**
